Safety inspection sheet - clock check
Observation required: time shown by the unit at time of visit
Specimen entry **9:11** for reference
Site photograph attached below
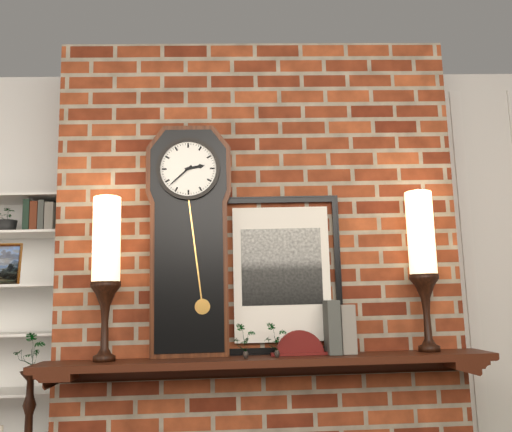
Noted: **2:38**
